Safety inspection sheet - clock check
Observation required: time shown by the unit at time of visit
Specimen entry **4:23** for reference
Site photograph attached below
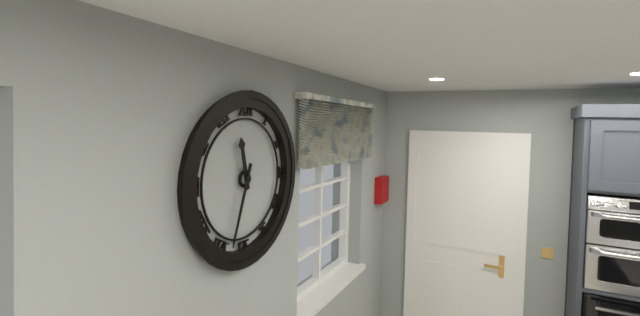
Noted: **11:33**
